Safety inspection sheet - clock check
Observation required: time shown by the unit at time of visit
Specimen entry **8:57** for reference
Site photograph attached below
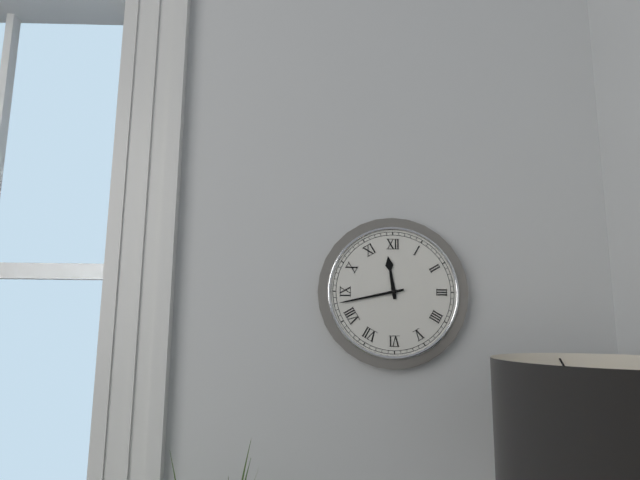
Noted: **11:43**
